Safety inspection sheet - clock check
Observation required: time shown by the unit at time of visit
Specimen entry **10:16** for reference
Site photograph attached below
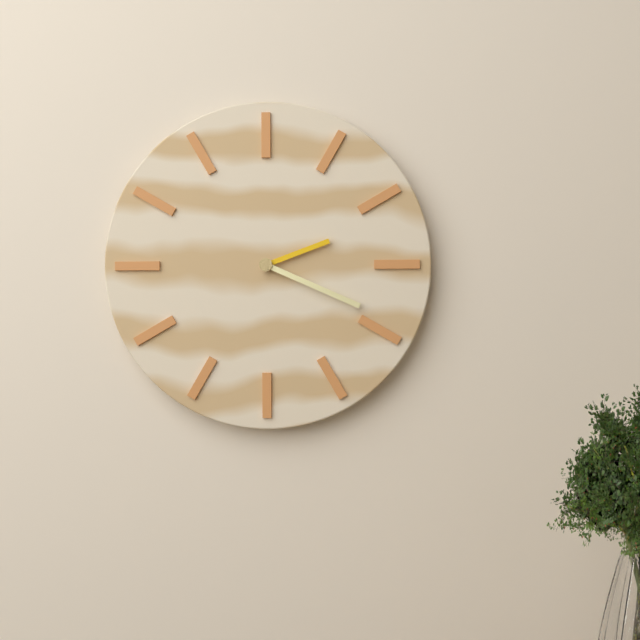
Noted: **2:19**
